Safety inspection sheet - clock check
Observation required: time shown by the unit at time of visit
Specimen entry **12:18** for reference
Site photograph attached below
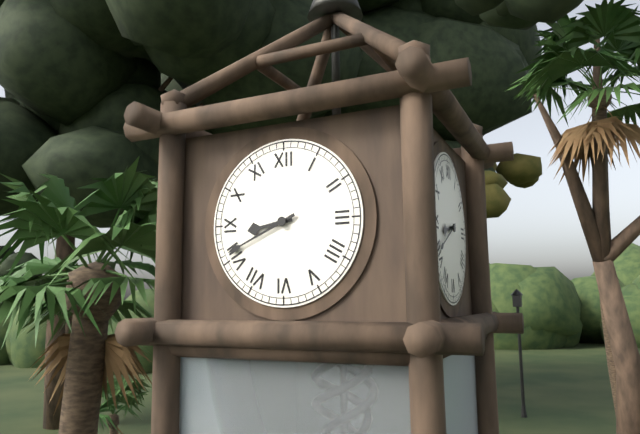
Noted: **8:41**
